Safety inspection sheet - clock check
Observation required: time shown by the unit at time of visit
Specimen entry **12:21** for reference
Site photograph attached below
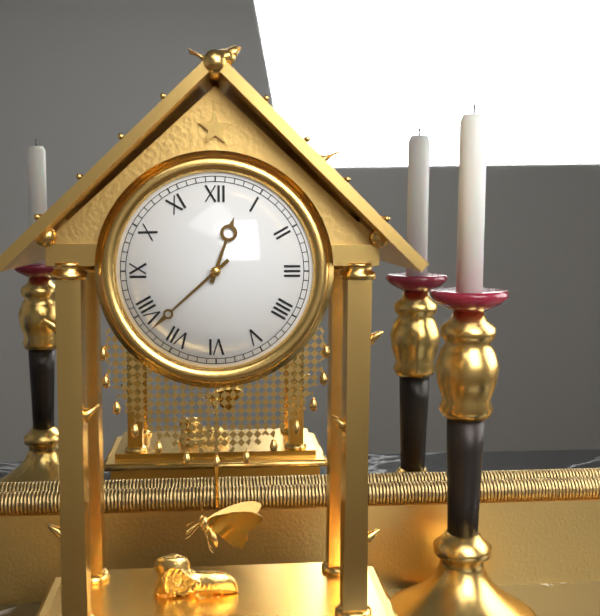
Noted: **12:38**
